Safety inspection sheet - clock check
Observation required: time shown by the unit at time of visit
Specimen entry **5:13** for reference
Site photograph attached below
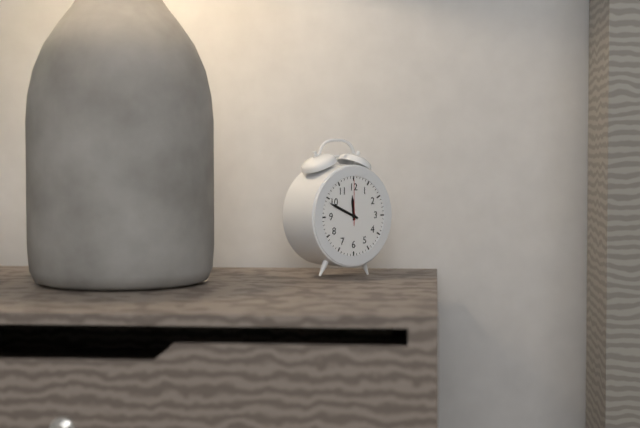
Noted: **11:49**
